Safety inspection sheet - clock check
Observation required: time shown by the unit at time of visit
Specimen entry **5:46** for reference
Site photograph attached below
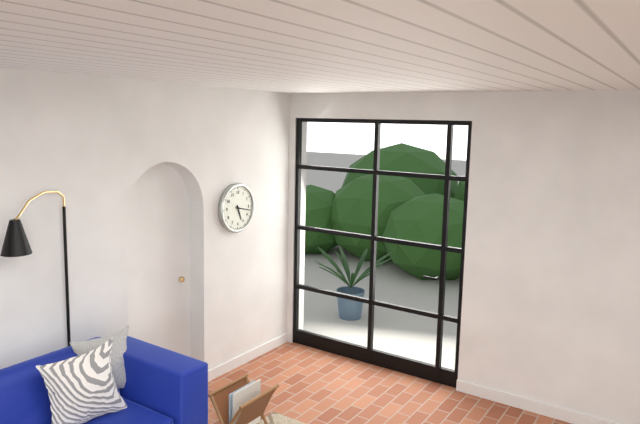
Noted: **5:17**
